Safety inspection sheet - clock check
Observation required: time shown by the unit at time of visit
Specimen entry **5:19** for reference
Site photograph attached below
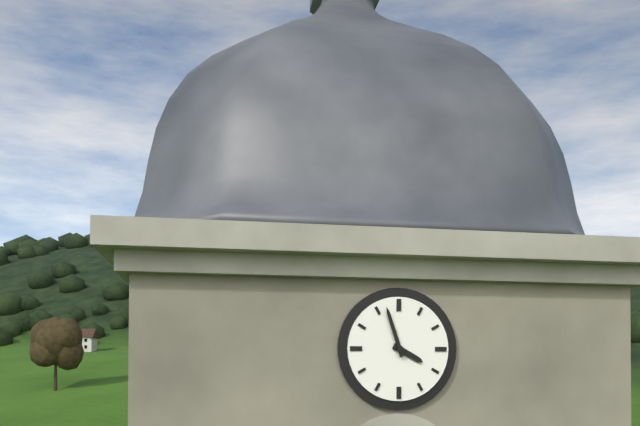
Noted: **3:57**
